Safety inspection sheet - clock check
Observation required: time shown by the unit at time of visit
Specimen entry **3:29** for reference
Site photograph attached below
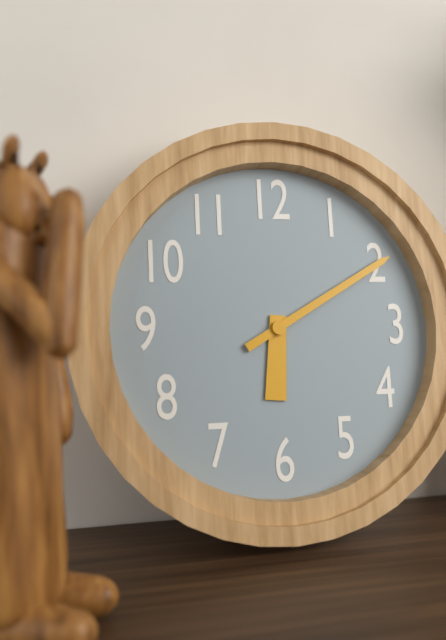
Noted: **6:10**
